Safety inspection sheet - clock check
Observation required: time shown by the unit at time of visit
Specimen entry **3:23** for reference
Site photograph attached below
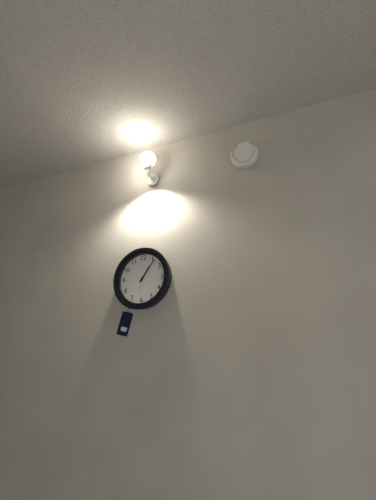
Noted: **1:06**
